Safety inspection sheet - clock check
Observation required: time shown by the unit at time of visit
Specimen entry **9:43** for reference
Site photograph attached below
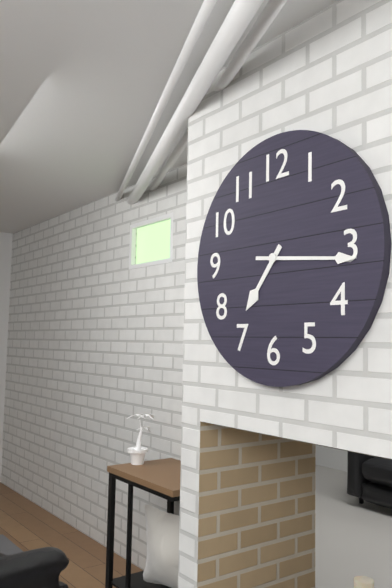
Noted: **7:16**
